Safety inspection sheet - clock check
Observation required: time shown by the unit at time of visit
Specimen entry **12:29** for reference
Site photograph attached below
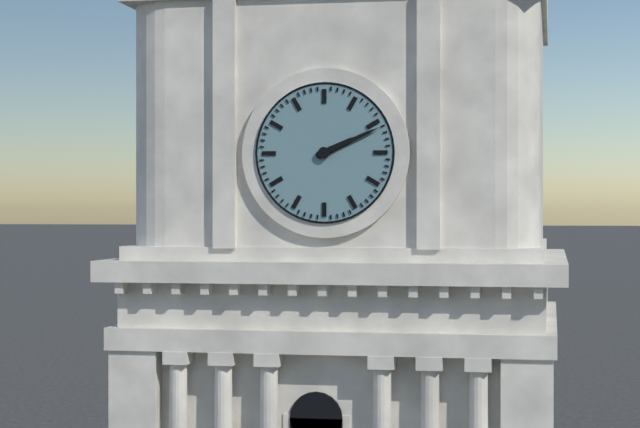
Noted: **2:11**
